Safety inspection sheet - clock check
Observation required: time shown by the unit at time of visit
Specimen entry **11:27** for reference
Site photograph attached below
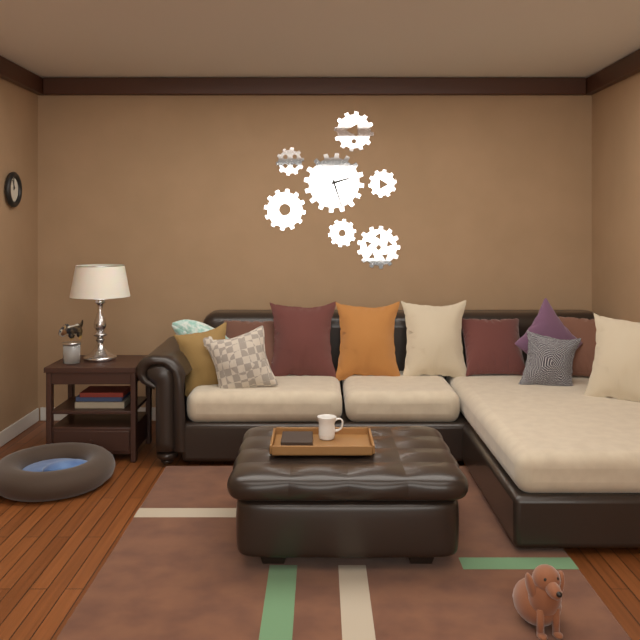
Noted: **2:27**
